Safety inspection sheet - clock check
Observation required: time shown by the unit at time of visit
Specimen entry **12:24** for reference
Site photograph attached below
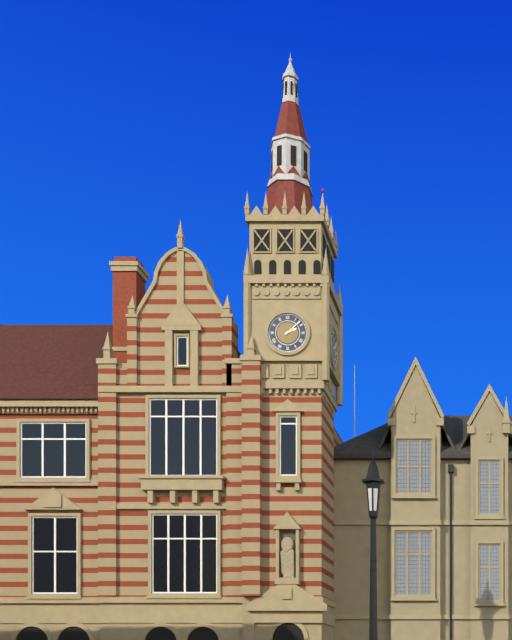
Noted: **2:08**
